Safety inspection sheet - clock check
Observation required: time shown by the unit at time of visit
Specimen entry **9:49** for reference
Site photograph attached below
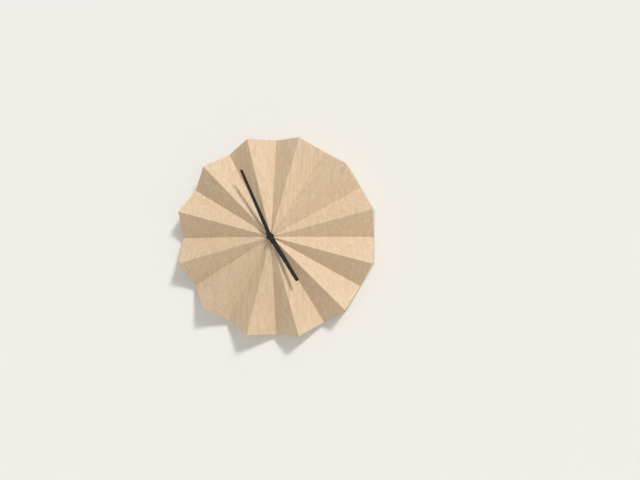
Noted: **4:56**
